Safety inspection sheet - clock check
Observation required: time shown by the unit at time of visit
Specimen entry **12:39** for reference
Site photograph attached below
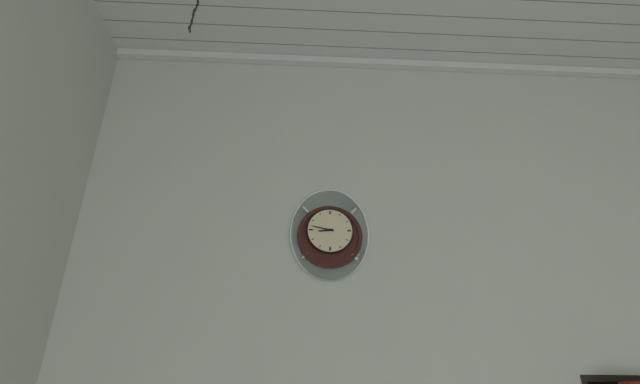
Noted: **8:47**
